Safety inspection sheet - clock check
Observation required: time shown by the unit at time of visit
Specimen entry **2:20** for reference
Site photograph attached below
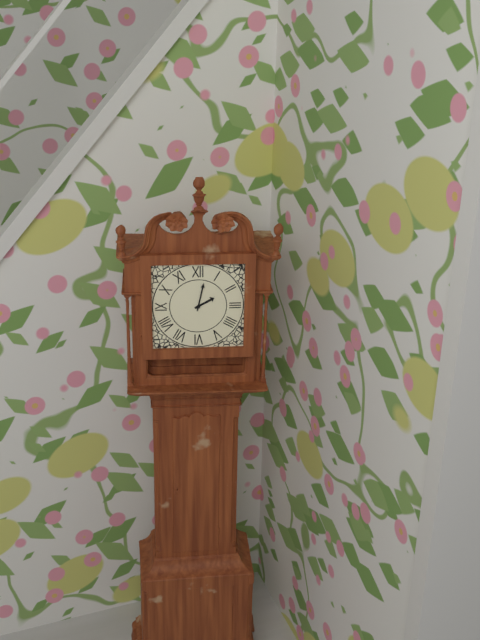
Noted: **2:02**
